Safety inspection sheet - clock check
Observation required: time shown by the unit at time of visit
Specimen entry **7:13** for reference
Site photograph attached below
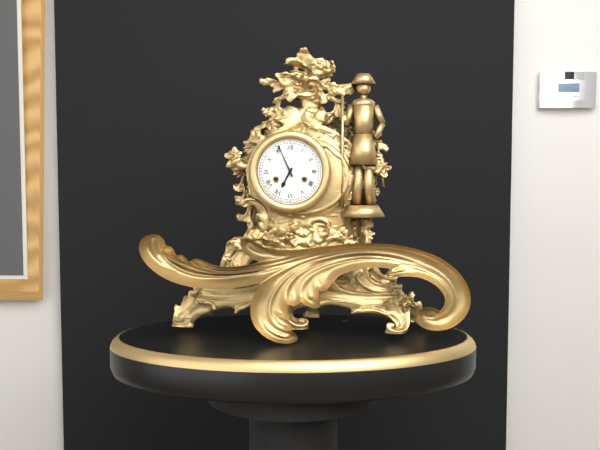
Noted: **6:56**
